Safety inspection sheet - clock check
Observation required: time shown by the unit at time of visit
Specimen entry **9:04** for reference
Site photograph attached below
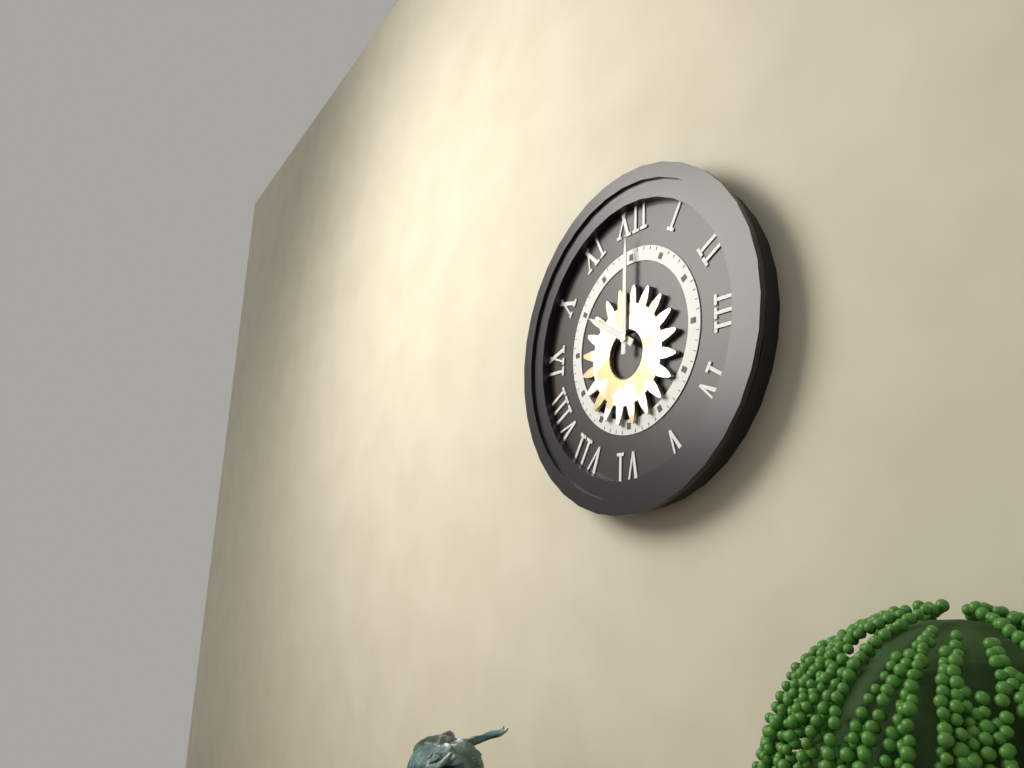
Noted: **10:00**
